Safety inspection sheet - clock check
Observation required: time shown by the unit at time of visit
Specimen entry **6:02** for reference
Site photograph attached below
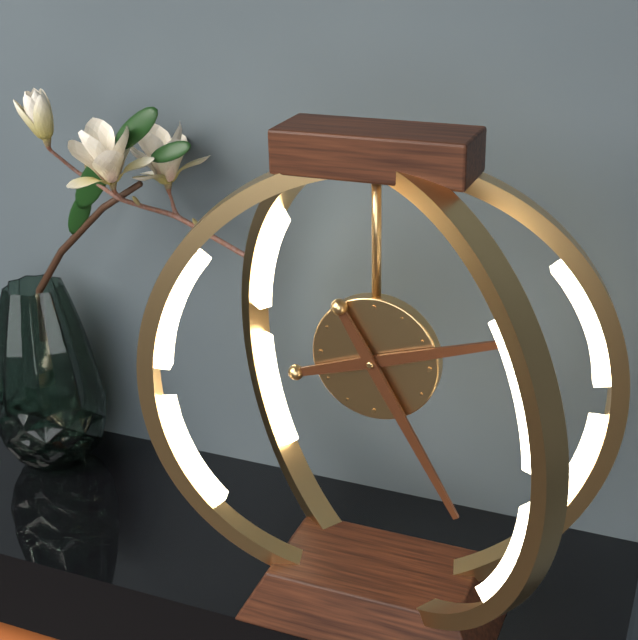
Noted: **2:25**
